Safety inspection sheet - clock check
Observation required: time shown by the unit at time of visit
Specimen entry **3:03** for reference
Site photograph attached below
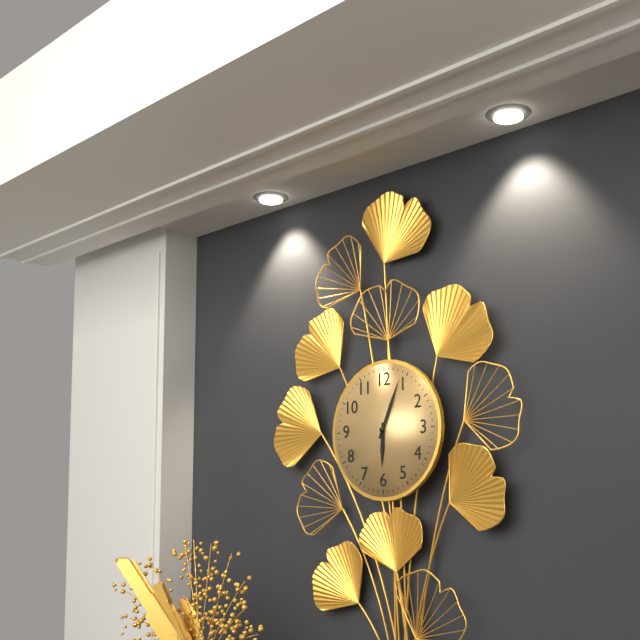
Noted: **6:04**
